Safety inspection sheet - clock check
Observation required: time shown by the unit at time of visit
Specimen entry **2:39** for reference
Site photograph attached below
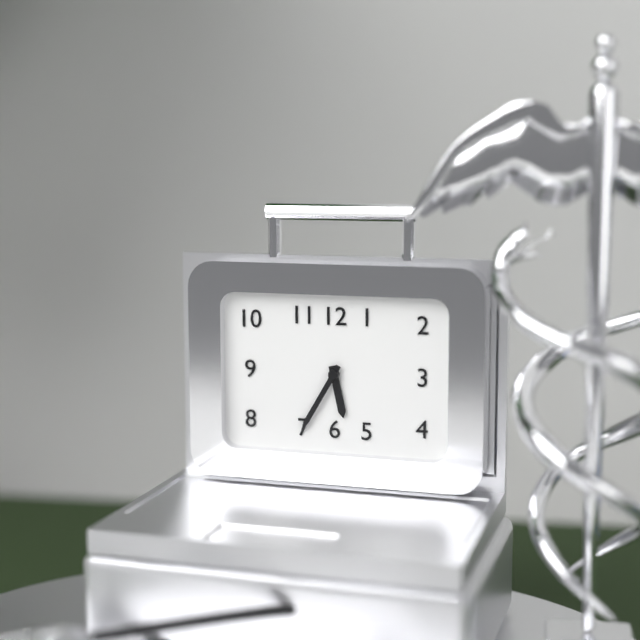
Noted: **5:35**
